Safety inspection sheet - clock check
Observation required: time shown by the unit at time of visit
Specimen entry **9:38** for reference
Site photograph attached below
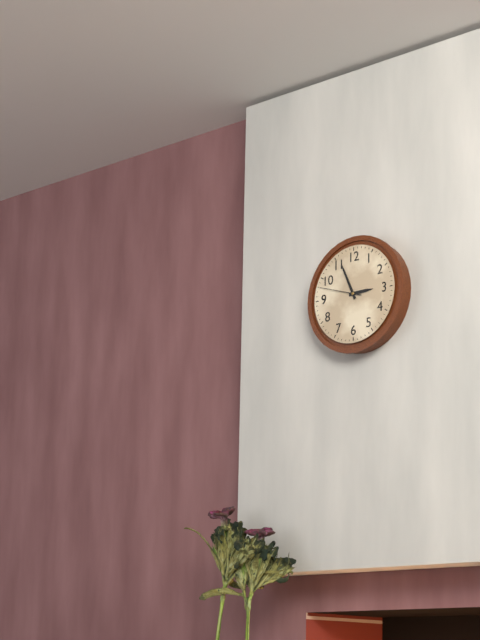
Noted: **2:56**
